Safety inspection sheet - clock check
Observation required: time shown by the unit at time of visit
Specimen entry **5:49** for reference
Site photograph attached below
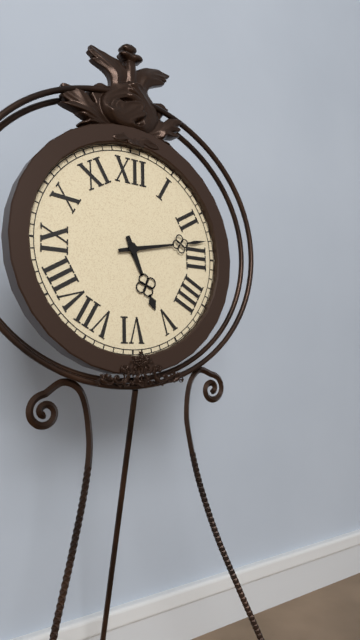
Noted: **5:13**
